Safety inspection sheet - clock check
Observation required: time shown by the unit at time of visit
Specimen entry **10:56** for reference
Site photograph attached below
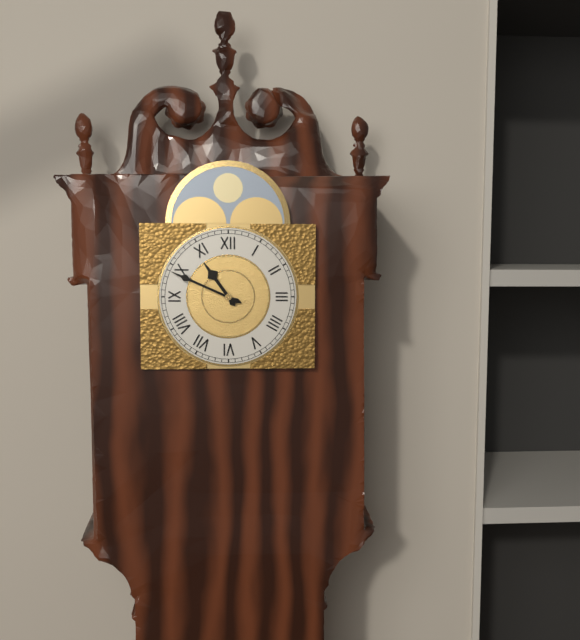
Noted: **10:49**
